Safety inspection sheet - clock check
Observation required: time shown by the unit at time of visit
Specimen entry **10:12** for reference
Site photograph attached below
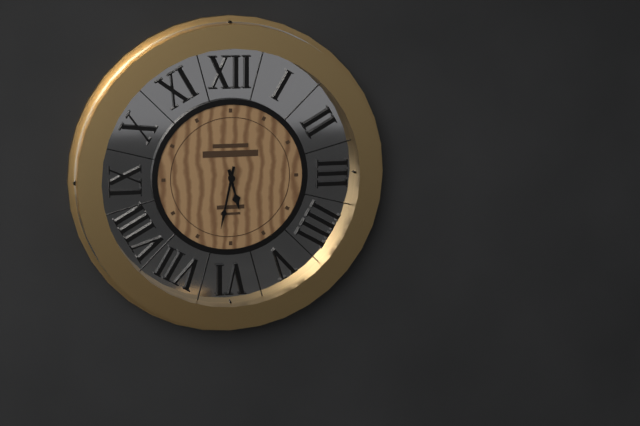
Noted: **5:32**
